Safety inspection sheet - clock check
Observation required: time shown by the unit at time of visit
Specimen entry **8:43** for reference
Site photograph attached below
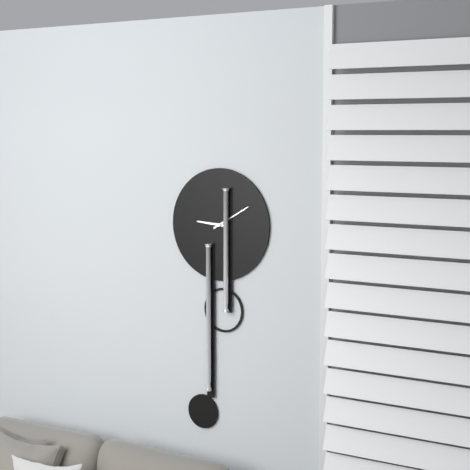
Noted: **9:10**
